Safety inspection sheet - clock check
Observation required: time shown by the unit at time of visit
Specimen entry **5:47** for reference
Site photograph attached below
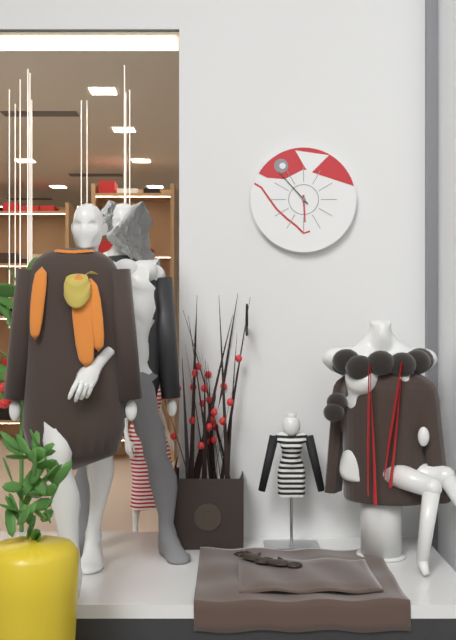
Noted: **5:53**
